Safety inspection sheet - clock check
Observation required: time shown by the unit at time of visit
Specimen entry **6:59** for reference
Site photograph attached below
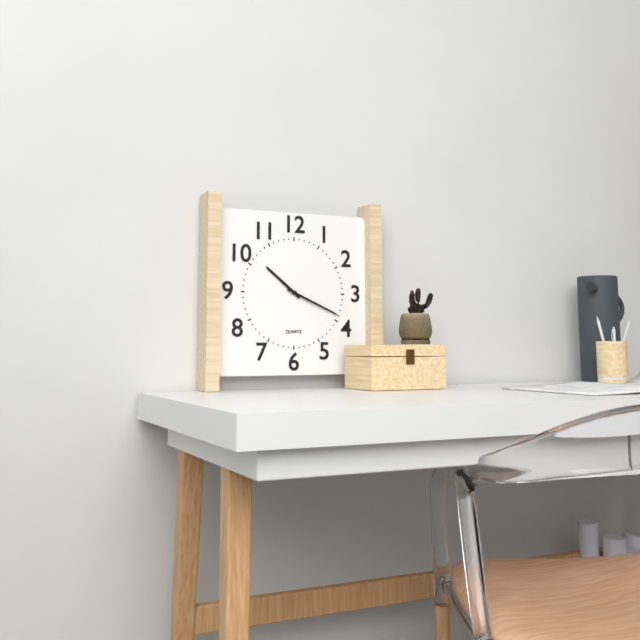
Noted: **10:19**
